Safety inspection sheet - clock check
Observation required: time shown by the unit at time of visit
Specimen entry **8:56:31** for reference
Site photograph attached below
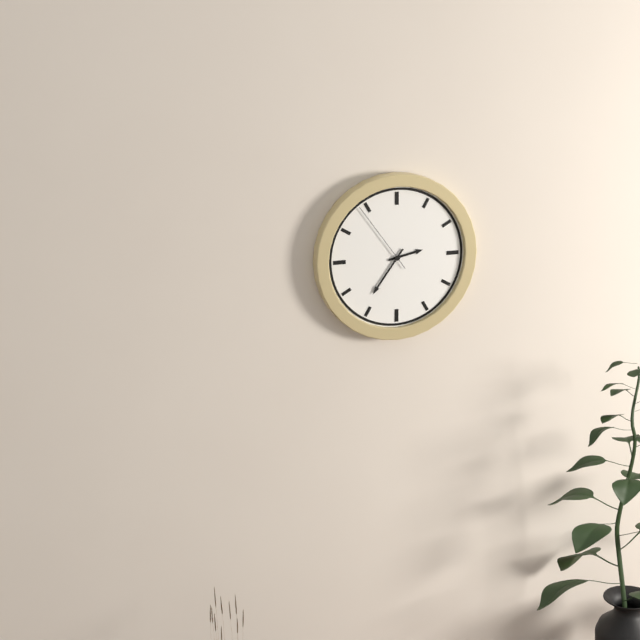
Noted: **2:36:54**
